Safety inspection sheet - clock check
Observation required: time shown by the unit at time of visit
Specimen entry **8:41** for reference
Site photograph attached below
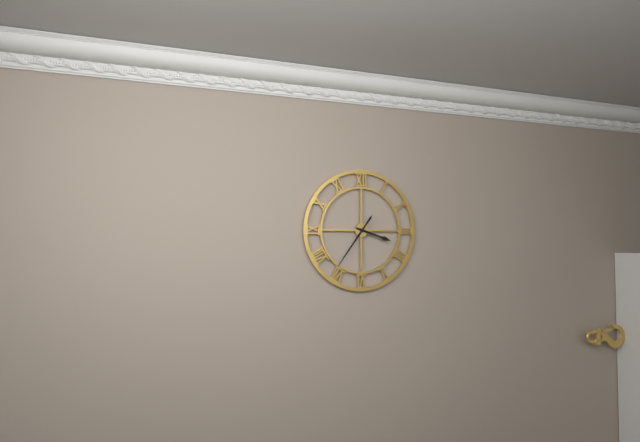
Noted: **3:36**
